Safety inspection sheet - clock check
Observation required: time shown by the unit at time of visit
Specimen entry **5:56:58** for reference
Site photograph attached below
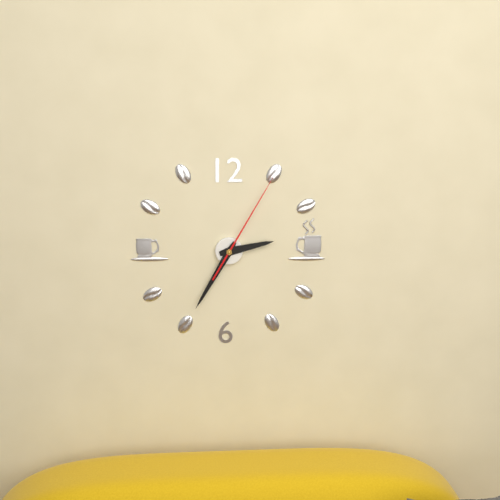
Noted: **2:35:05**
